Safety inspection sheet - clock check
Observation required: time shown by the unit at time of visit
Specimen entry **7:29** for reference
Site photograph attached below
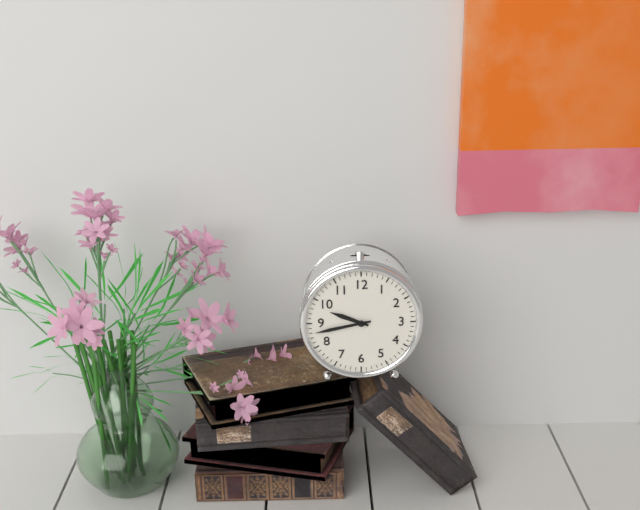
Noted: **9:43**
